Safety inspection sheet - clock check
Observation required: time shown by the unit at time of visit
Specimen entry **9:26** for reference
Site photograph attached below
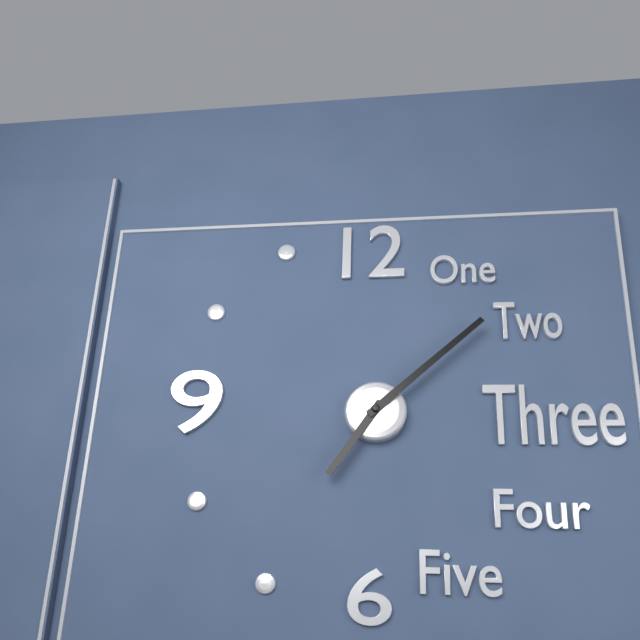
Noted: **7:08**
